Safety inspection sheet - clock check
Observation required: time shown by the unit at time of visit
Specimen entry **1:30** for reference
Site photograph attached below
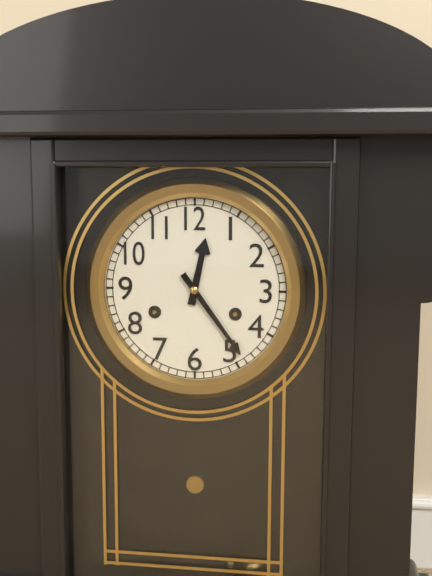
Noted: **12:24**
